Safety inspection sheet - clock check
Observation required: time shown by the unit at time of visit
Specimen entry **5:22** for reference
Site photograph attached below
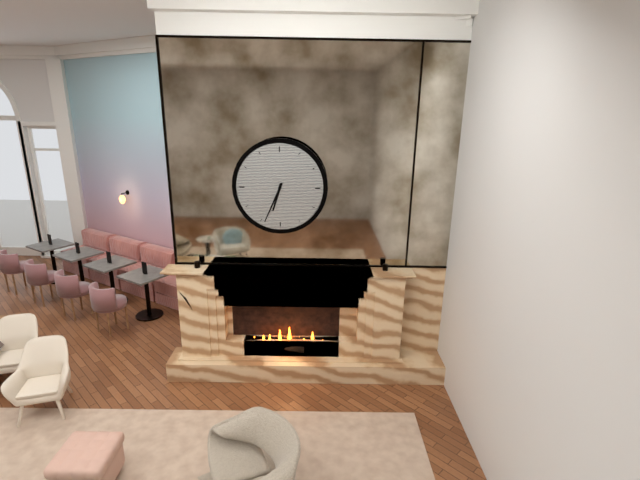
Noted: **6:34**
